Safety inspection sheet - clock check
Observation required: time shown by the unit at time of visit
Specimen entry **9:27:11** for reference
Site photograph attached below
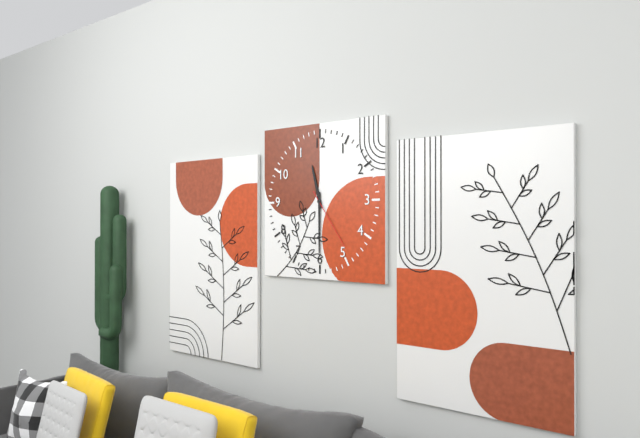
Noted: **11:30:24**
